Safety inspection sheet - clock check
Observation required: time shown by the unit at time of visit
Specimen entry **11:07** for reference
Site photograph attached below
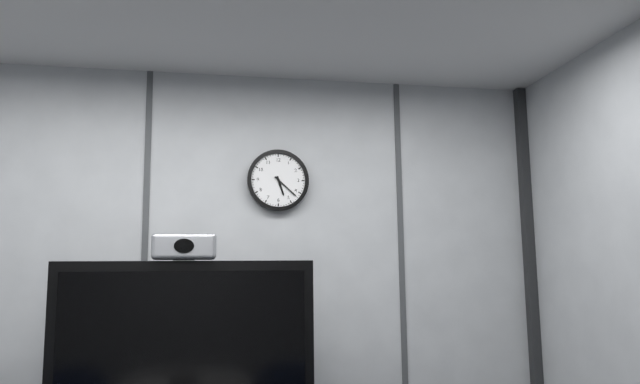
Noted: **5:22**
